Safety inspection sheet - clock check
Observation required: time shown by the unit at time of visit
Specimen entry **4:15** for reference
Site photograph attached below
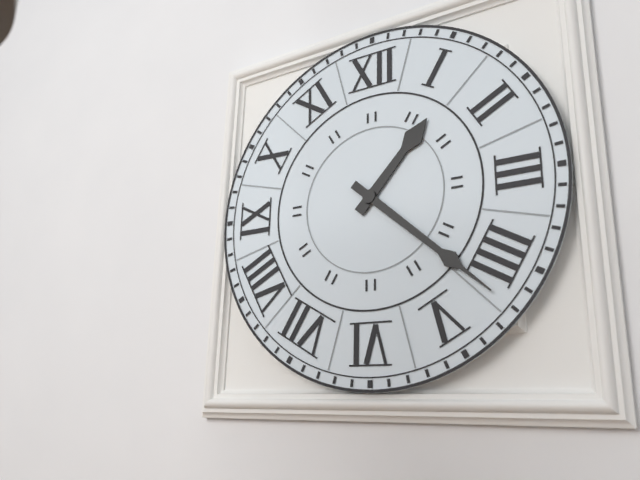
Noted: **1:22**
